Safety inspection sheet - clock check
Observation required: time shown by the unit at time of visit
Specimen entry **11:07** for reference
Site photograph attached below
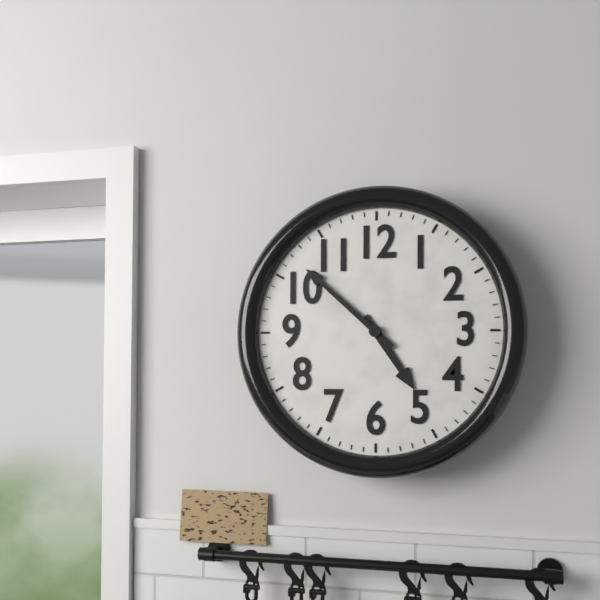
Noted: **4:52**
